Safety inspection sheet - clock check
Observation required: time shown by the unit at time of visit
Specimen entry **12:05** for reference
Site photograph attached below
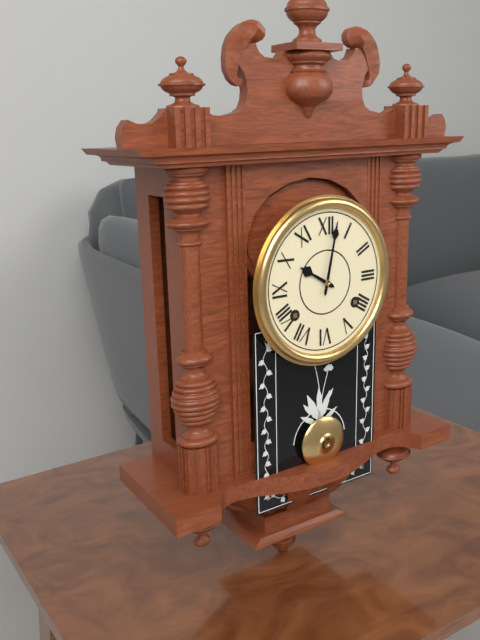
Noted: **10:02**
